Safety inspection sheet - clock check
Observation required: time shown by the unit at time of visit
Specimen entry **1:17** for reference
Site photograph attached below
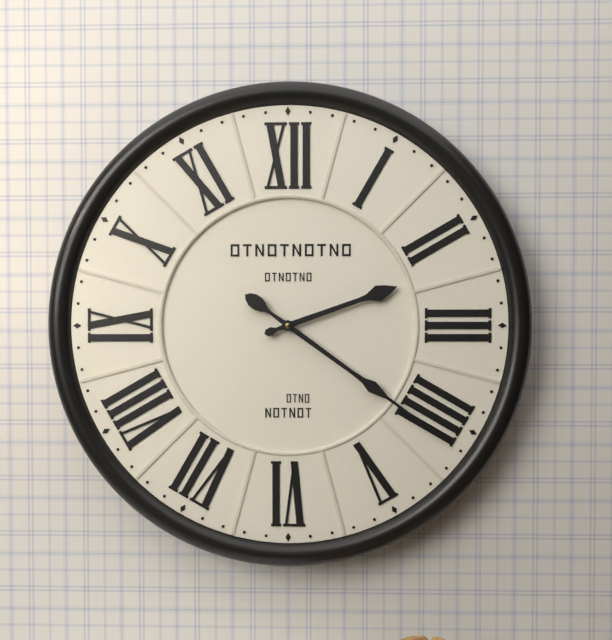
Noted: **2:21**
